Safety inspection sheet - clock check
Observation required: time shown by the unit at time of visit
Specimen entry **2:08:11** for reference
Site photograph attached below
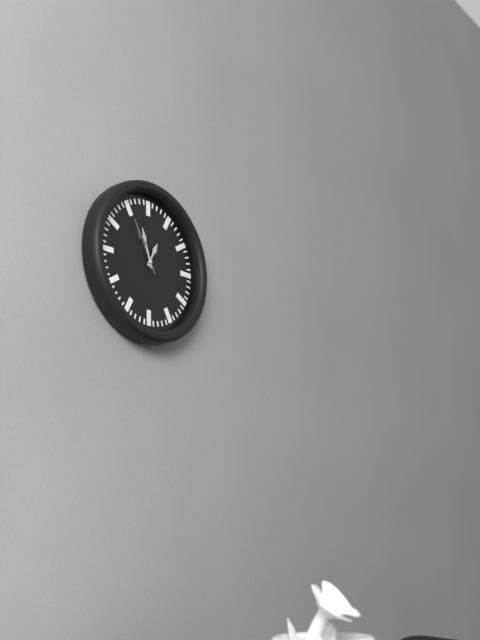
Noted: **12:57:55**
